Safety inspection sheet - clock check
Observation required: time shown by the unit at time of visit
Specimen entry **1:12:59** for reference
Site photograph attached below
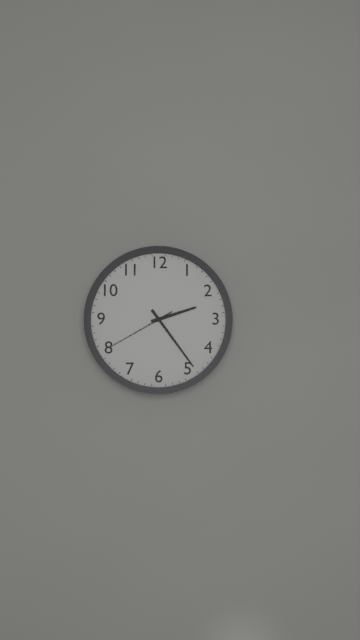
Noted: **2:24:40**
